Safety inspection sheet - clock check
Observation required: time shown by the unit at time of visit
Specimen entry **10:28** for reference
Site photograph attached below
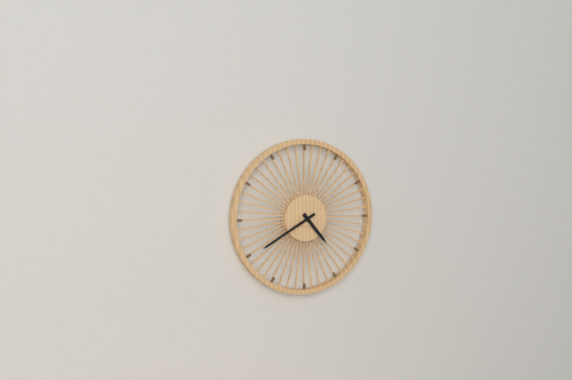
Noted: **4:40**
